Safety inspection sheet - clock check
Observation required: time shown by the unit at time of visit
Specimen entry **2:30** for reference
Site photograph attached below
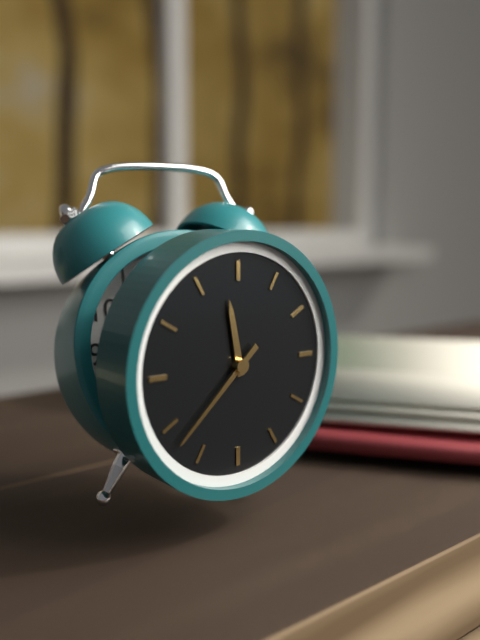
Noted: **11:38**
